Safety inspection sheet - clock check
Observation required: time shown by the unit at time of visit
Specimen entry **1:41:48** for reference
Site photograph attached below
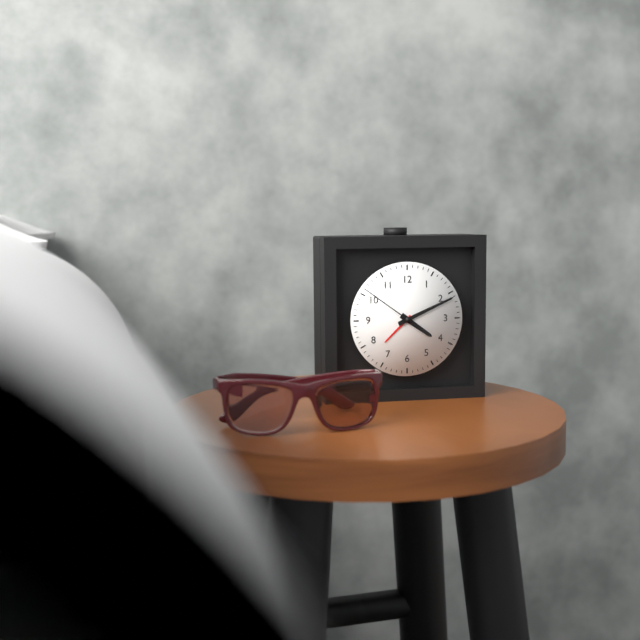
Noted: **4:11:51**
